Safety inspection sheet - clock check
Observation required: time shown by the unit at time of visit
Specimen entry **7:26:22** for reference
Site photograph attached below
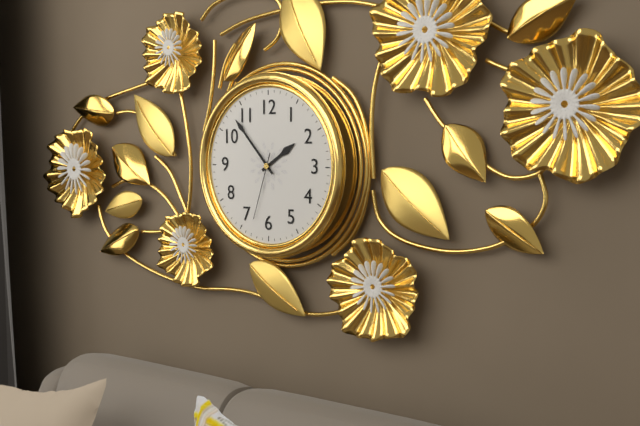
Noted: **1:53:33**
